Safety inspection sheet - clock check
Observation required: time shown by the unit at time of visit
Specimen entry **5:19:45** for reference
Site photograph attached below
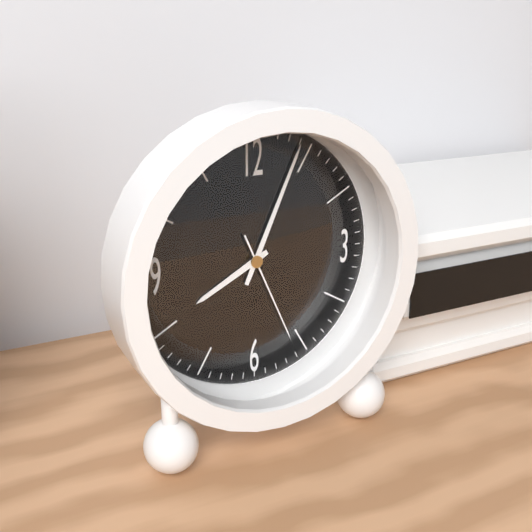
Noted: **8:04:26**
